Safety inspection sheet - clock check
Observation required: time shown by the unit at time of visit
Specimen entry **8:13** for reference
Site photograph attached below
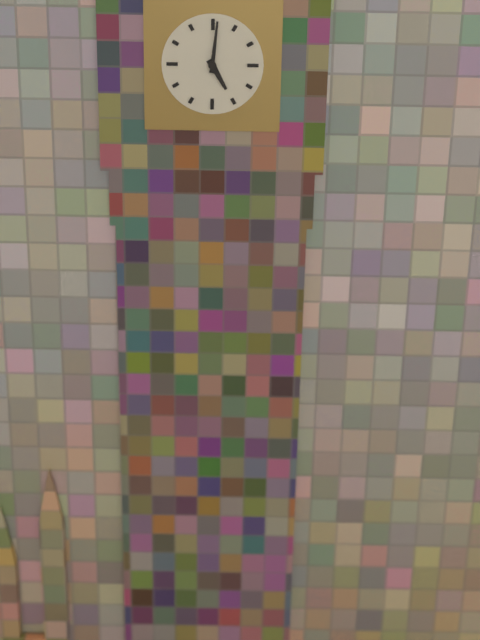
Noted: **5:01**
